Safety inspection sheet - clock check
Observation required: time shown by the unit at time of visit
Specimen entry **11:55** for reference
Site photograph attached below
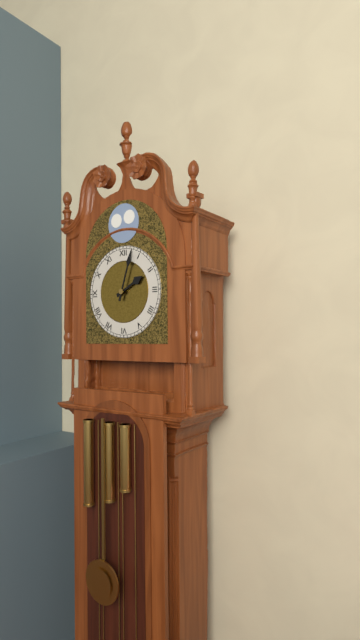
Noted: **2:03**
